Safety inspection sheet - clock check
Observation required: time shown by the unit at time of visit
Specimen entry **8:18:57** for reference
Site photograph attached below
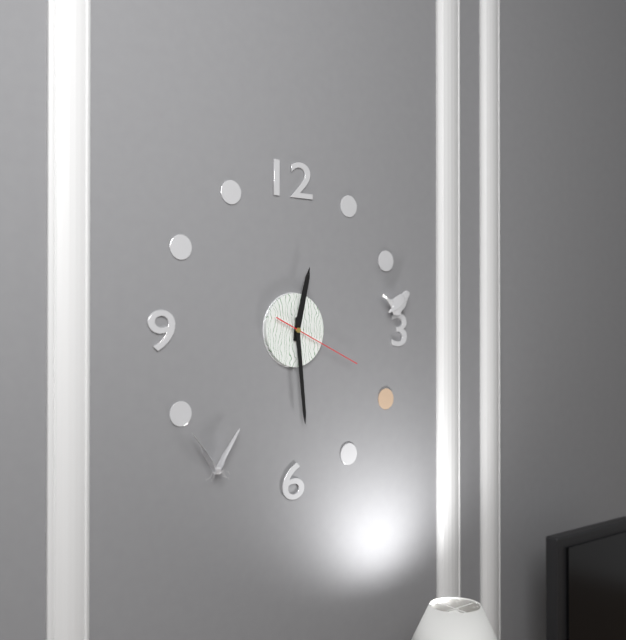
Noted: **12:29:19**
